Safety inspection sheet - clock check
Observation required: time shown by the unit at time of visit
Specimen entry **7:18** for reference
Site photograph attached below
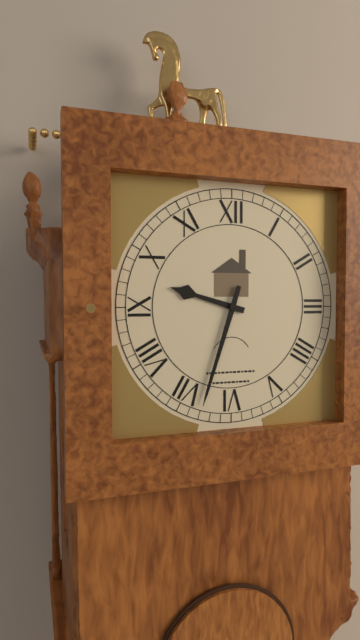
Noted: **9:33**
